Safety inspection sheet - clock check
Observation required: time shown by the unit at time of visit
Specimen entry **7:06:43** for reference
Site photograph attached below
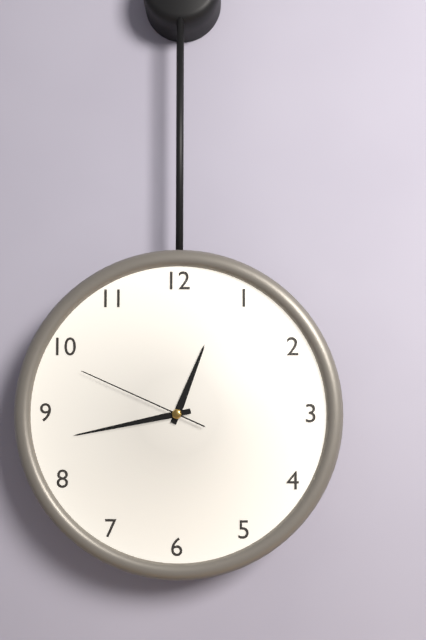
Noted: **12:43:49**
